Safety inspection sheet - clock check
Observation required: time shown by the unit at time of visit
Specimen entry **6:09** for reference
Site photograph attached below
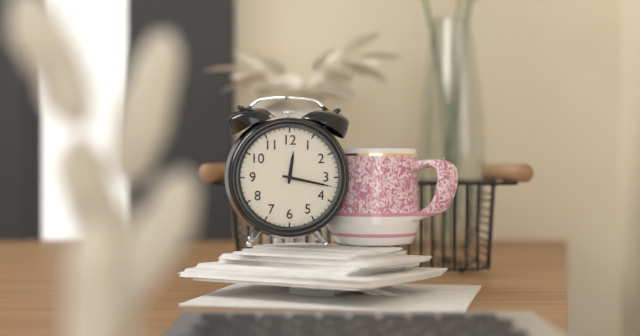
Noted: **12:17**
